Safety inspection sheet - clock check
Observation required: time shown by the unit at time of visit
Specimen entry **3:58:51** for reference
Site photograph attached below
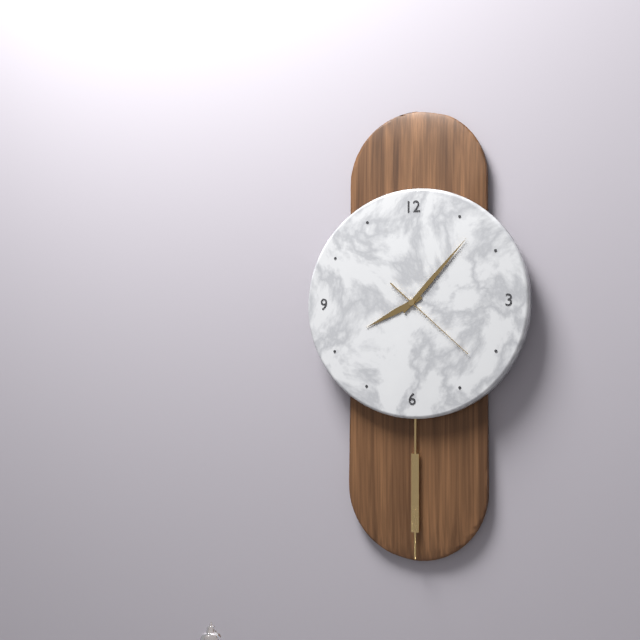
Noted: **8:07:22**
